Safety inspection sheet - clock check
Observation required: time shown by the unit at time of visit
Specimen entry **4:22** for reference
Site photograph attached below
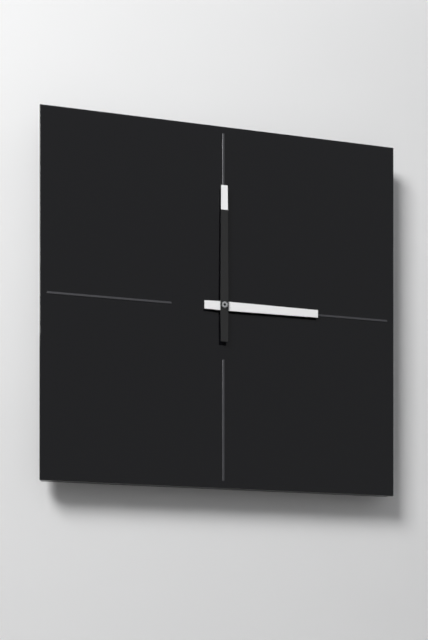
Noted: **3:00**
